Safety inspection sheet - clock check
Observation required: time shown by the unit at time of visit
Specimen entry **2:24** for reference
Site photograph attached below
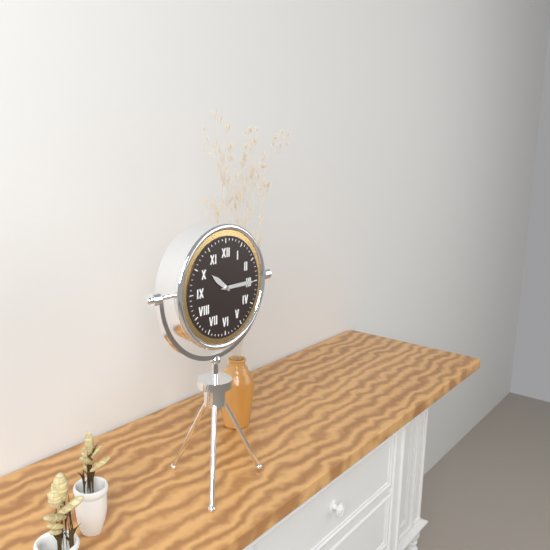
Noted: **10:15**
